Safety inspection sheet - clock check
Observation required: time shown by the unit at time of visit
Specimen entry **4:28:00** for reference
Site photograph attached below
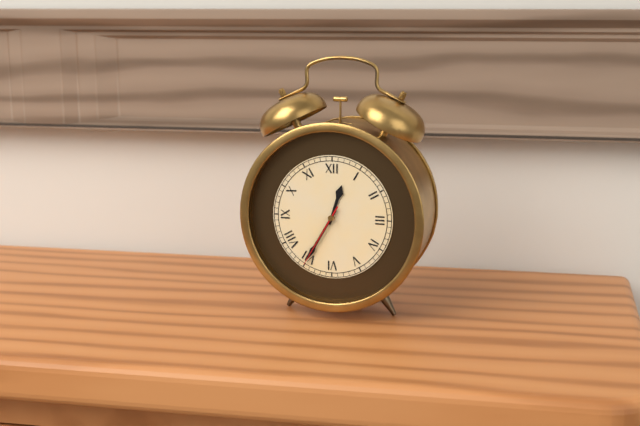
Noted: **12:35:35**
